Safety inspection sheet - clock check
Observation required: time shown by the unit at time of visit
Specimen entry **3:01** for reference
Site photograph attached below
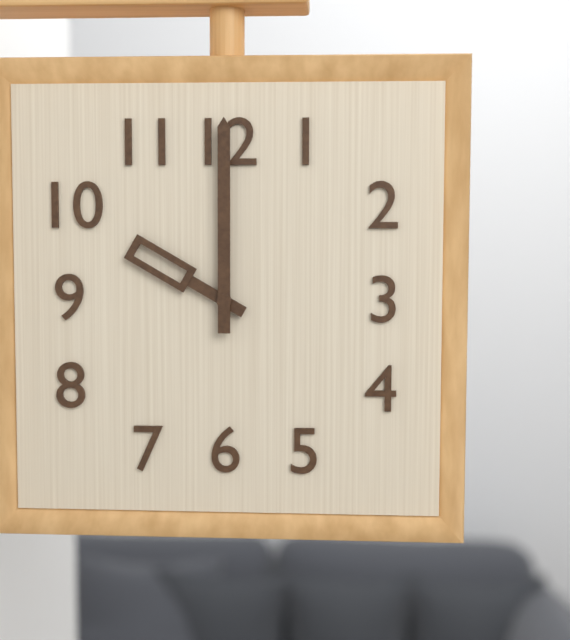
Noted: **10:00**
